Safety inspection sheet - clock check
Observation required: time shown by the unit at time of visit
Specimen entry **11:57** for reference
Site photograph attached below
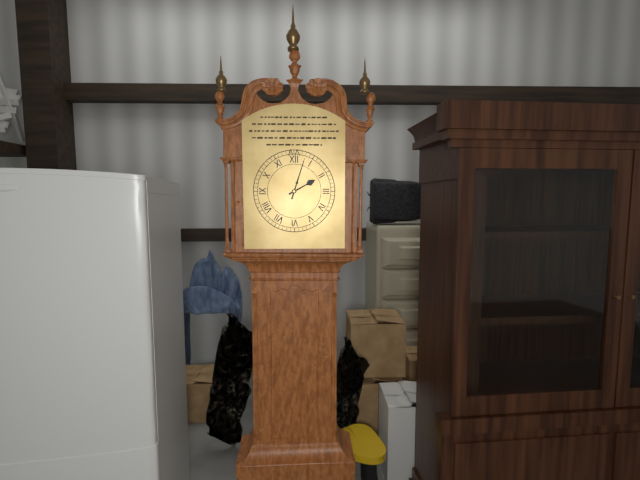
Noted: **2:03**
